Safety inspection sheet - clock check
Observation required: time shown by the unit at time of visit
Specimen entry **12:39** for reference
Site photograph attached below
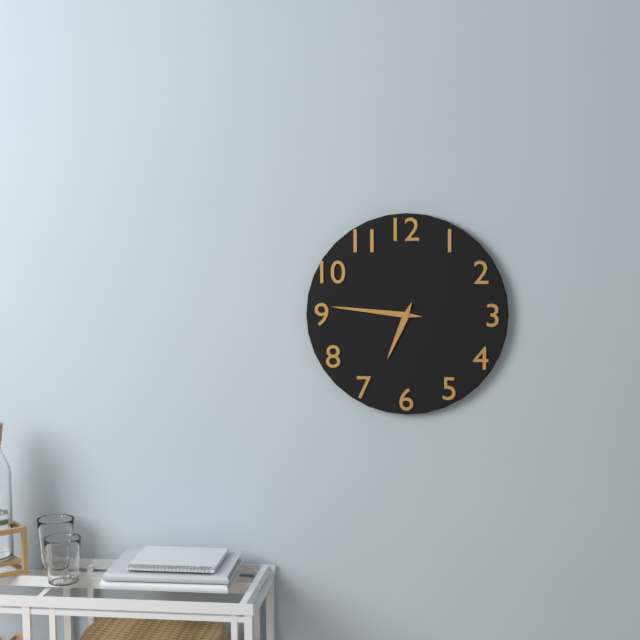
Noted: **6:46**
